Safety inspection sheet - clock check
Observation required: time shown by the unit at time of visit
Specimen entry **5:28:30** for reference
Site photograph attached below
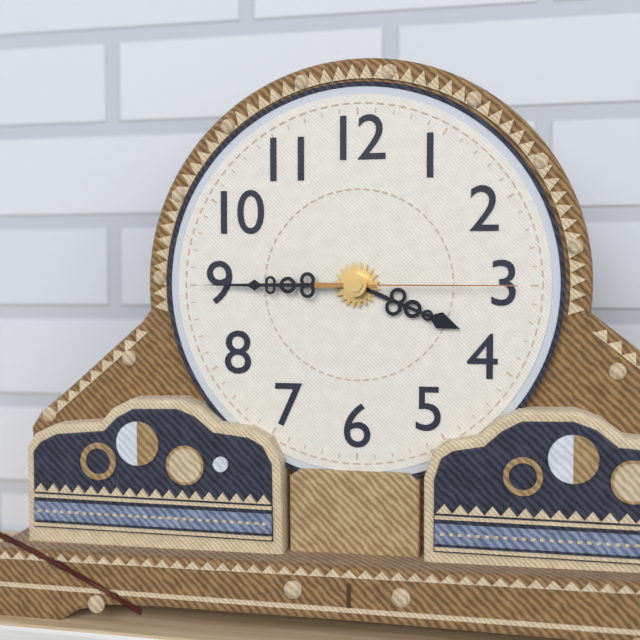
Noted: **3:45:15**
